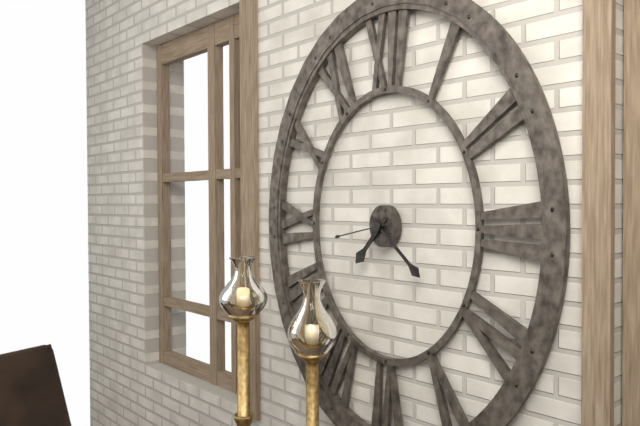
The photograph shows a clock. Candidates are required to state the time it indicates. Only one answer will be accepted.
7:22:43
